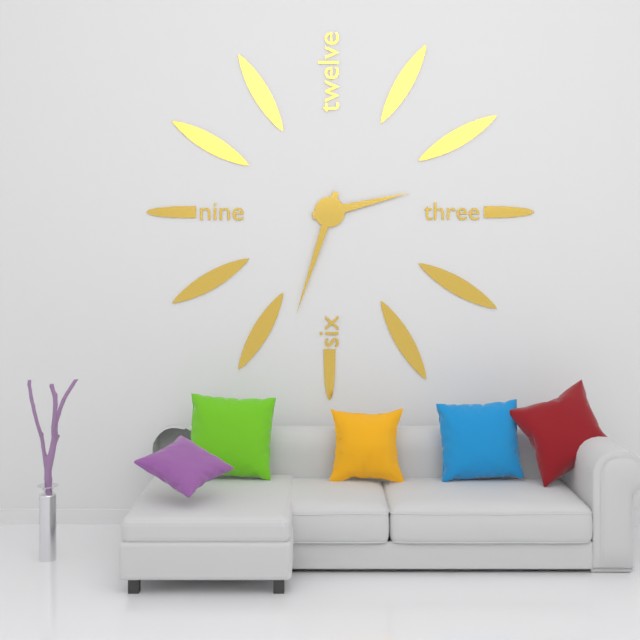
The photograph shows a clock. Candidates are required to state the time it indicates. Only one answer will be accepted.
2:33
